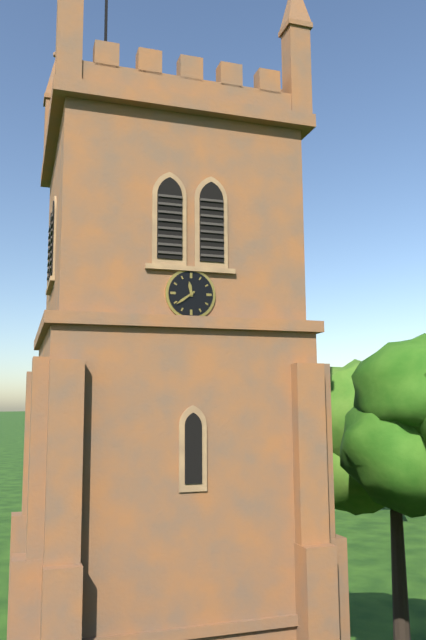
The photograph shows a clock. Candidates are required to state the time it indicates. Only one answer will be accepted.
11:39
